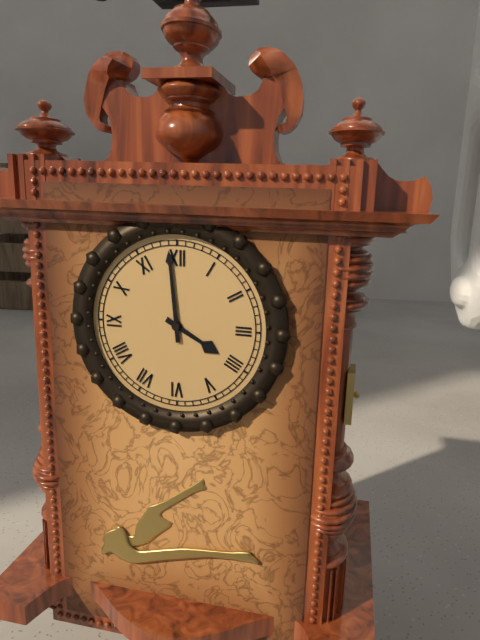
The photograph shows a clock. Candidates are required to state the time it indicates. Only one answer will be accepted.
3:59
